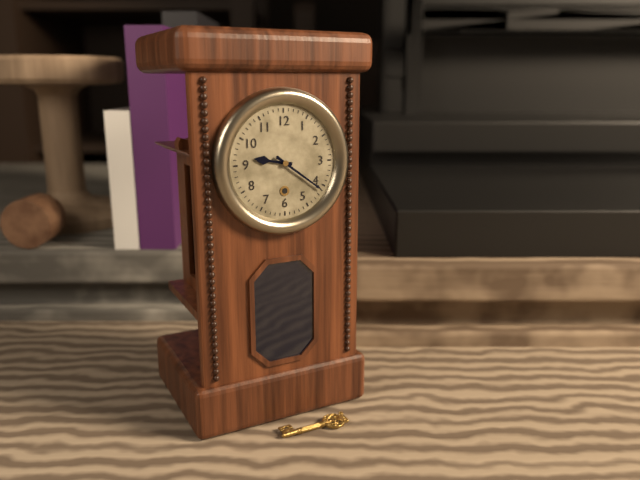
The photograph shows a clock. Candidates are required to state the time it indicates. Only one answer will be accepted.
9:21
